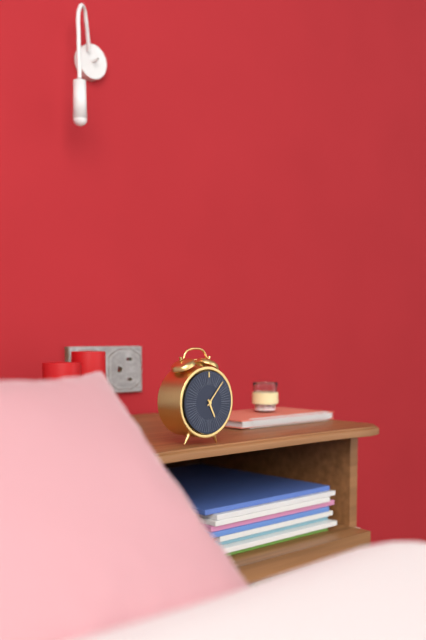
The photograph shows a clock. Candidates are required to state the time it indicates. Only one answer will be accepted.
5:07
